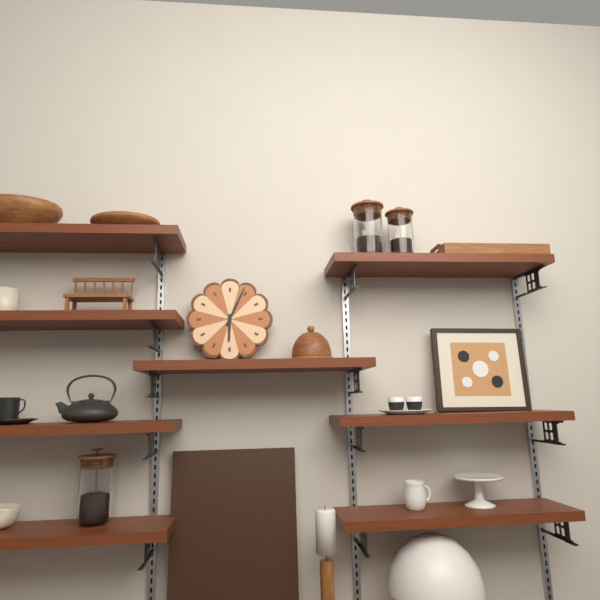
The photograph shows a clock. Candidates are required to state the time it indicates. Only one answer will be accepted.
6:04
